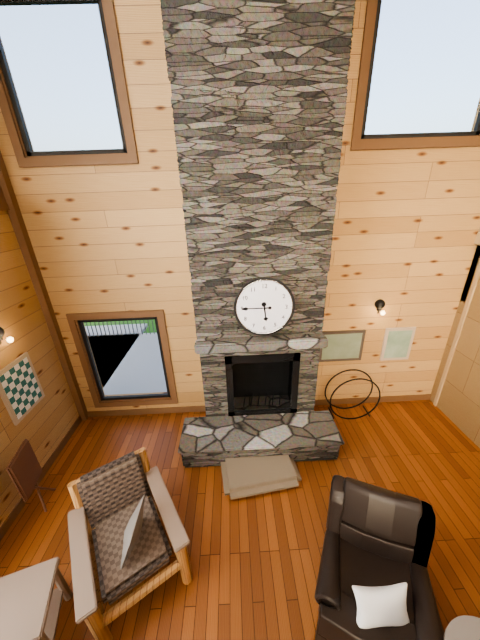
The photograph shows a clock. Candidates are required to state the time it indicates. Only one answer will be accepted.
5:45
